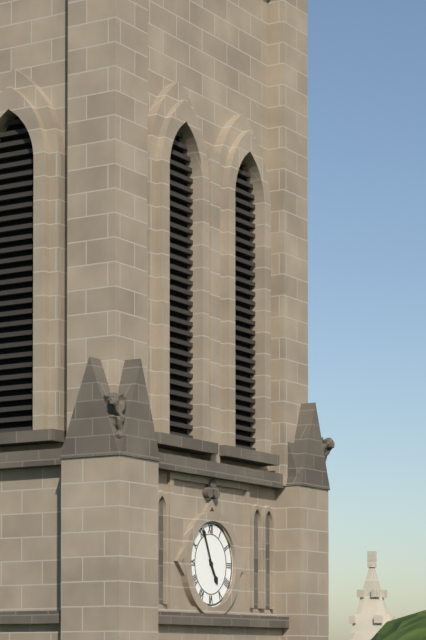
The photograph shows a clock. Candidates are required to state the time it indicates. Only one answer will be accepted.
4:56
